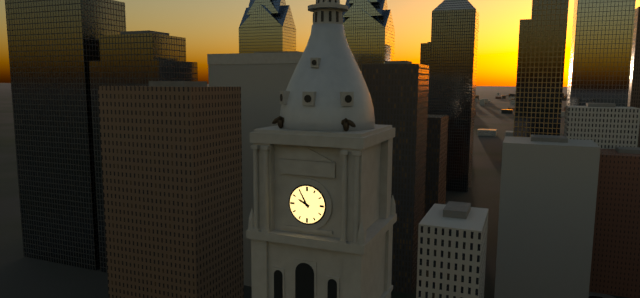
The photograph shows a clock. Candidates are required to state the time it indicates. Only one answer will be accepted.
9:55
